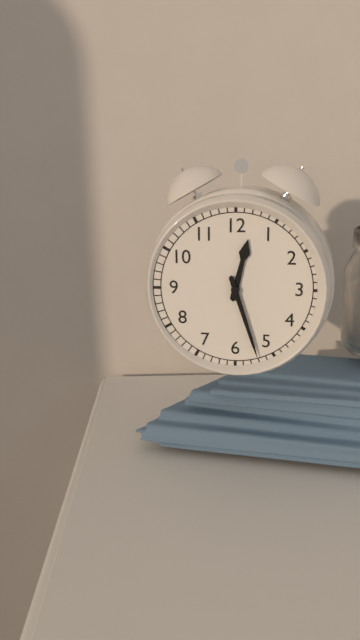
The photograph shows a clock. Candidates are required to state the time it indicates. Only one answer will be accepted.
12:27
